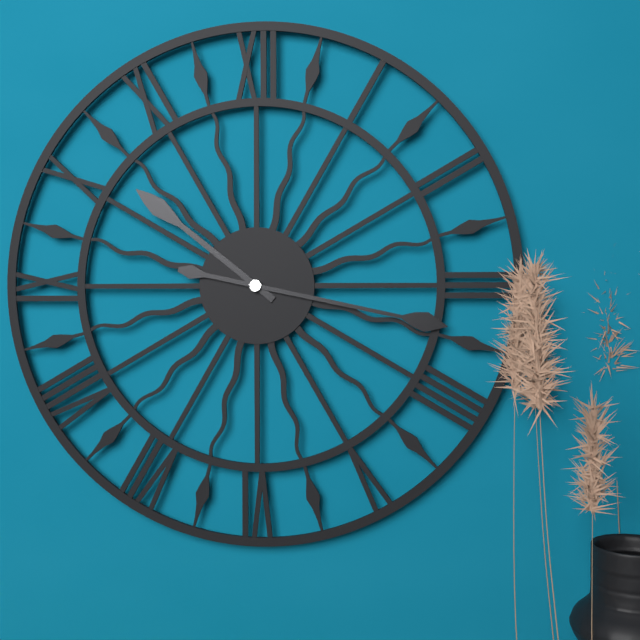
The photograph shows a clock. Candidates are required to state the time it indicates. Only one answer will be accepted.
10:17
